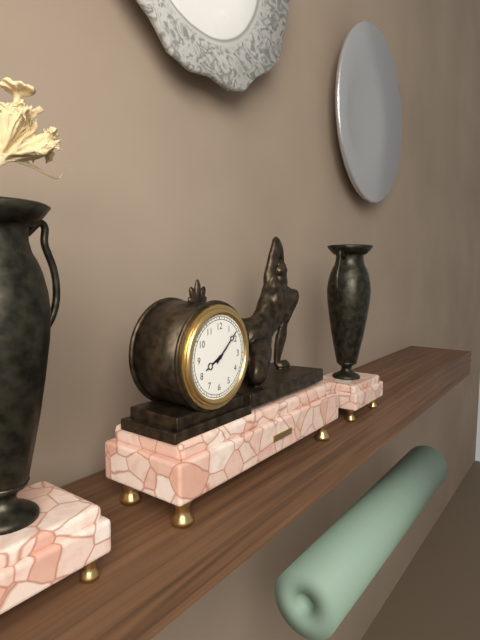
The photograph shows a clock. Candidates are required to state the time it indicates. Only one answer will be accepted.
8:08
